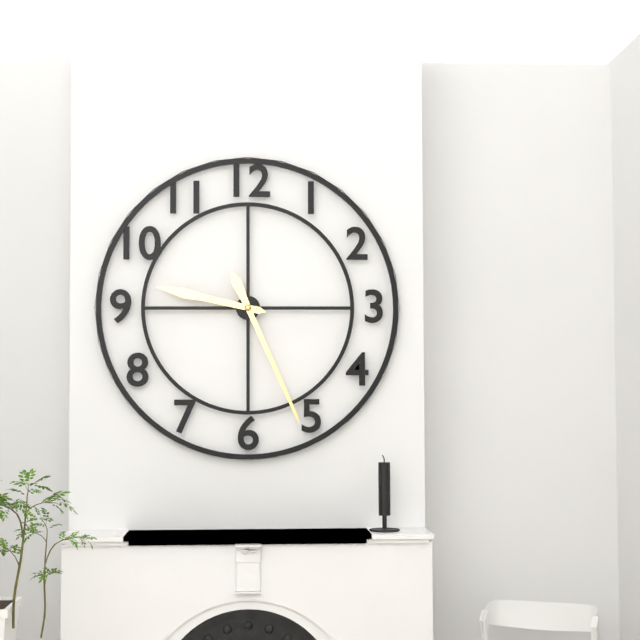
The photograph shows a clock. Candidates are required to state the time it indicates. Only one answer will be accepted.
9:26
